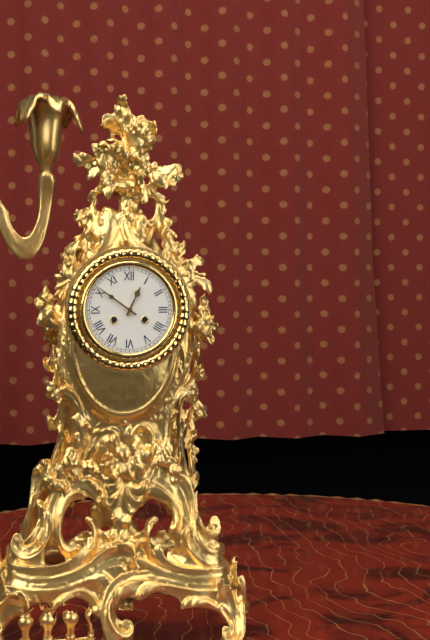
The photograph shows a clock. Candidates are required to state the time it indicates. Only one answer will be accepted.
12:51
